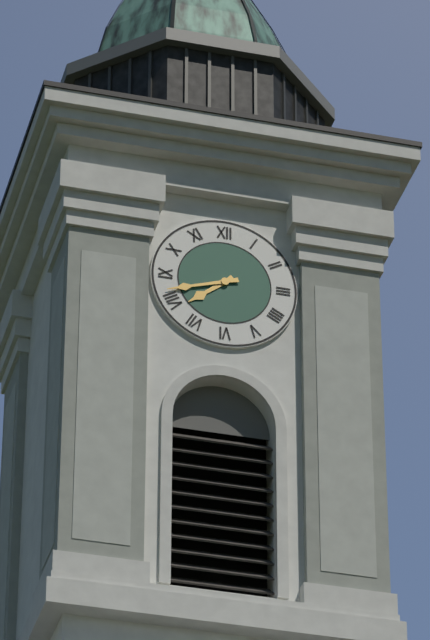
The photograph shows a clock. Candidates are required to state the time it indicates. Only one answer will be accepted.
7:42
